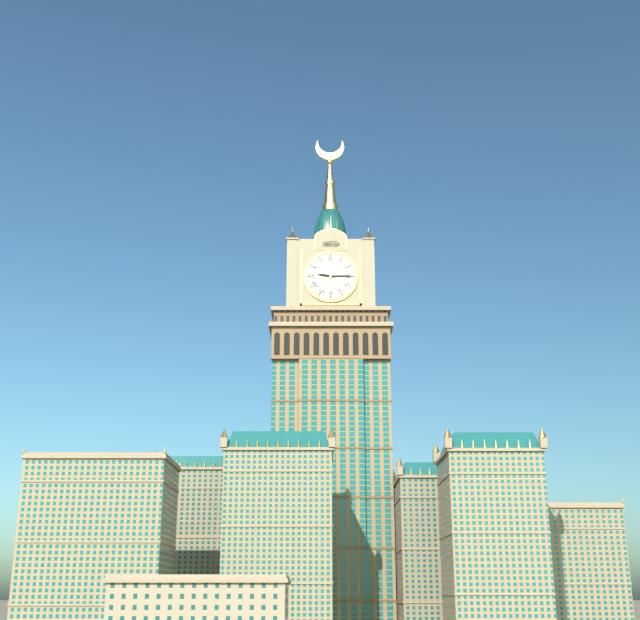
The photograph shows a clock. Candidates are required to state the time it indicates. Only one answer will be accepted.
9:15
